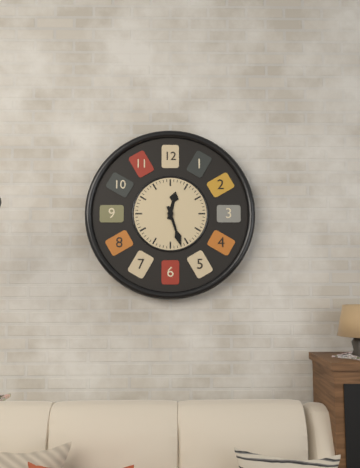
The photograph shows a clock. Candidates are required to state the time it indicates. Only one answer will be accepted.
12:27
